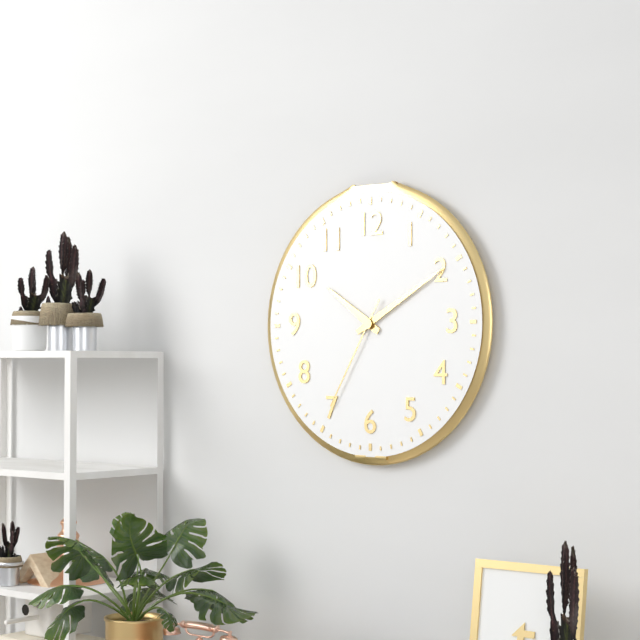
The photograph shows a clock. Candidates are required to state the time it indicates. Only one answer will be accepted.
10:10:35
